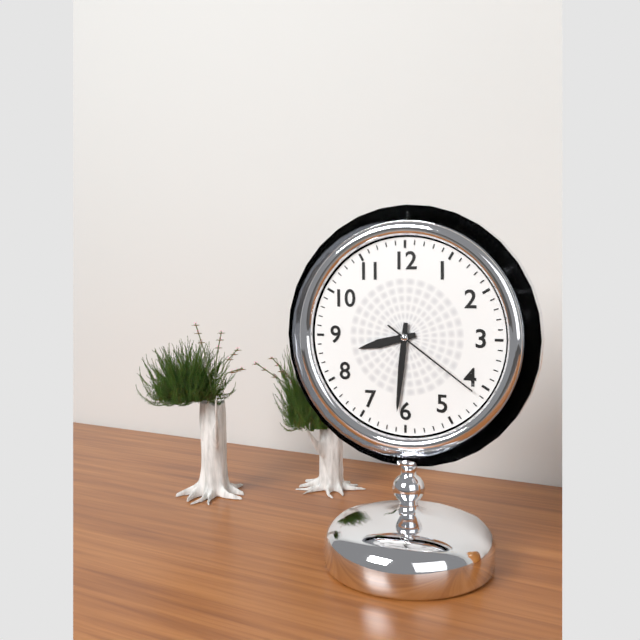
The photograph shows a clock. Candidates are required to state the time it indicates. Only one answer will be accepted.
8:31:21
